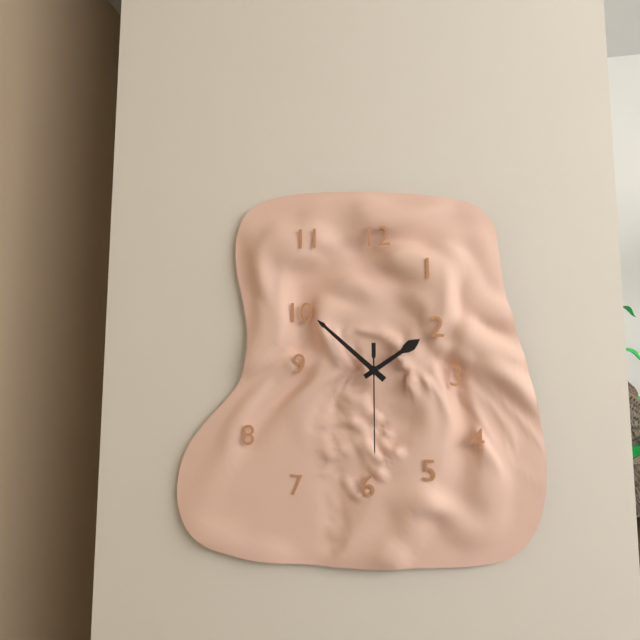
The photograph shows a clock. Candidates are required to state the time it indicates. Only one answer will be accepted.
1:52:30
